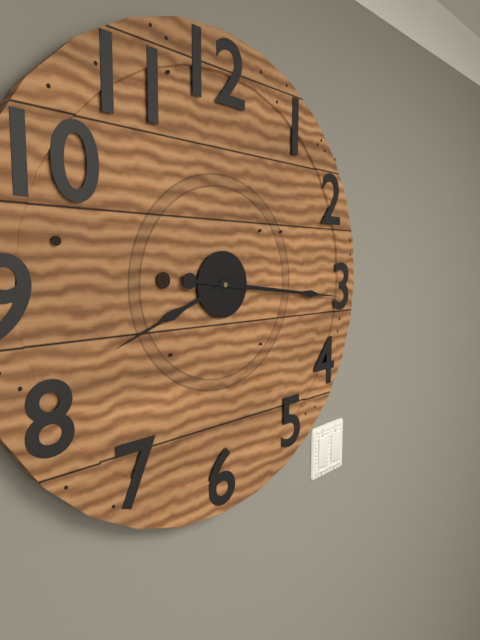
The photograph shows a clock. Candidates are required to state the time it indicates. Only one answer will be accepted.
8:16
